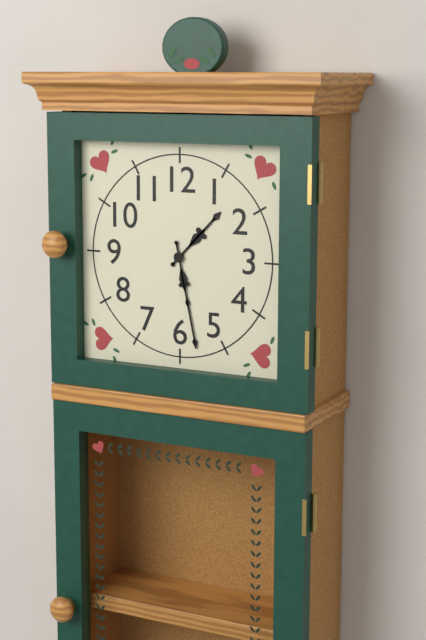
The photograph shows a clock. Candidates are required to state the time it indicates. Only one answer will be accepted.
1:28
